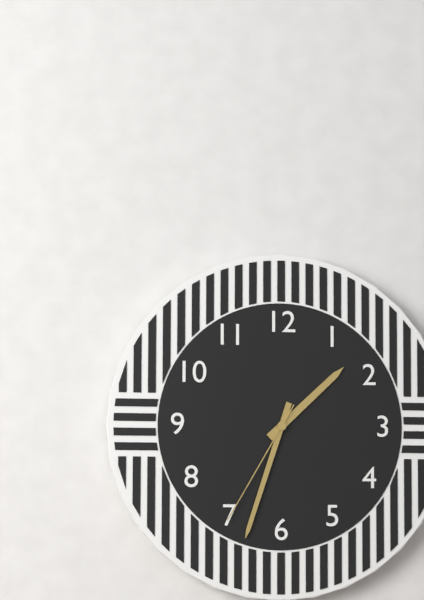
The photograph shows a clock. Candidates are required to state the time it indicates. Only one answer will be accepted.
1:33:35
